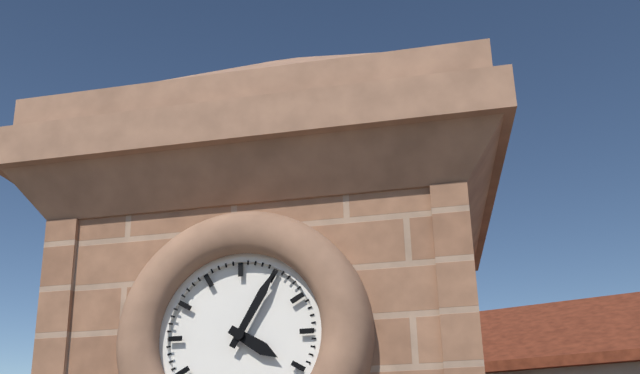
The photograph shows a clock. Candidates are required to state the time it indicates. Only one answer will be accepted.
4:05
